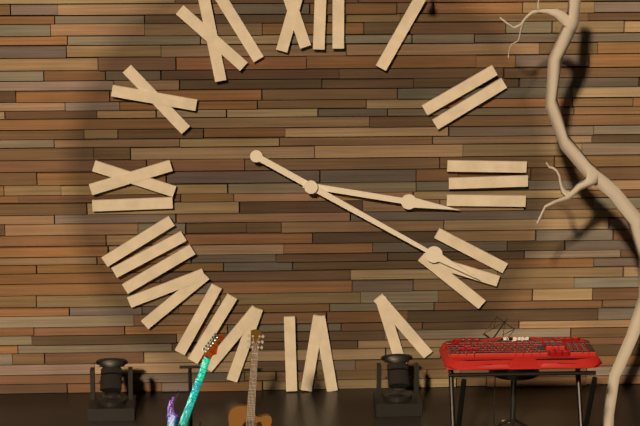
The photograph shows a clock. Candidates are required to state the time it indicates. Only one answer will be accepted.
3:20
